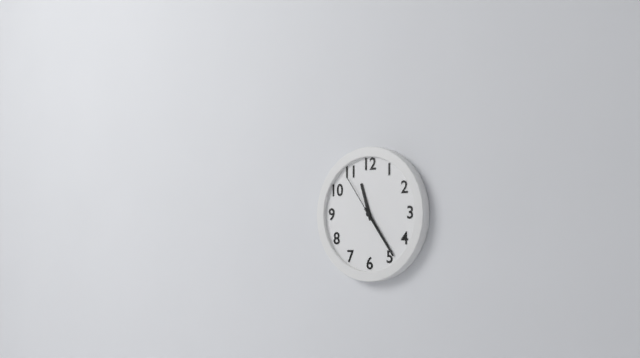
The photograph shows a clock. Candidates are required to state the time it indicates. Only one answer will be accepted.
11:24:54
